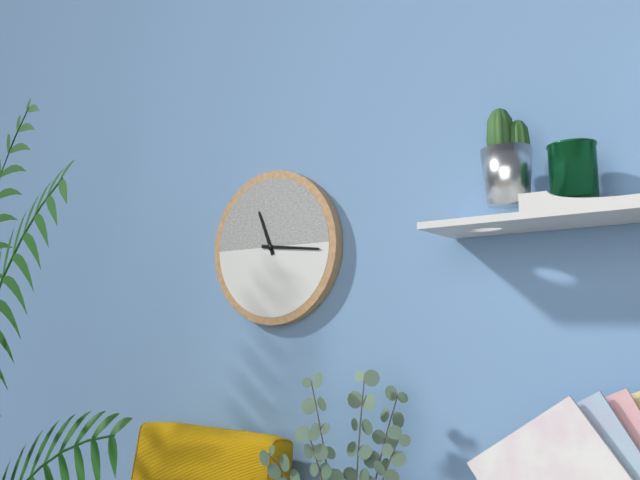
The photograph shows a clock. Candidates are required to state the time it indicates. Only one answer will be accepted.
11:16
